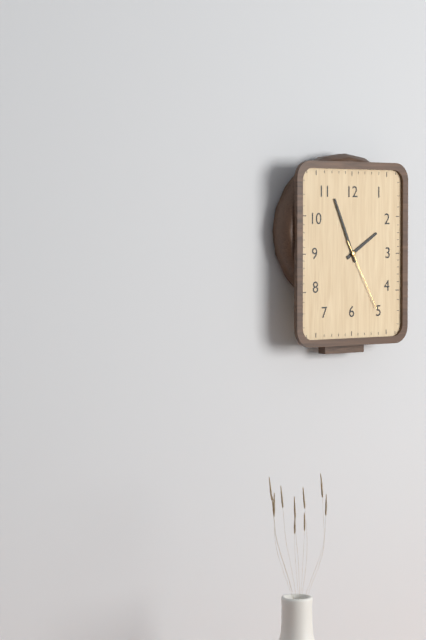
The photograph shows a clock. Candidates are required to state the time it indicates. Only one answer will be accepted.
1:56:25
